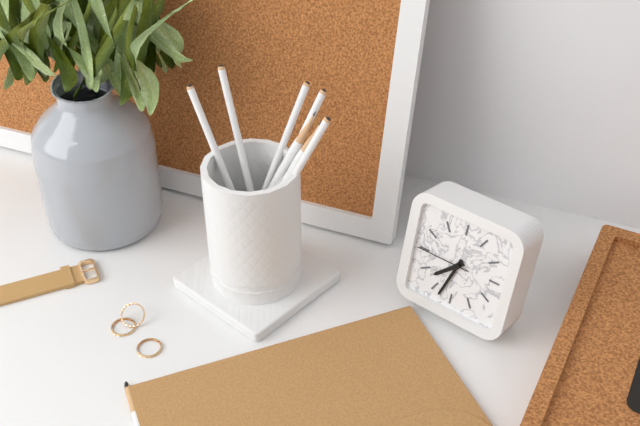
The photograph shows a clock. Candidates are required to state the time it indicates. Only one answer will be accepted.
7:33:45
